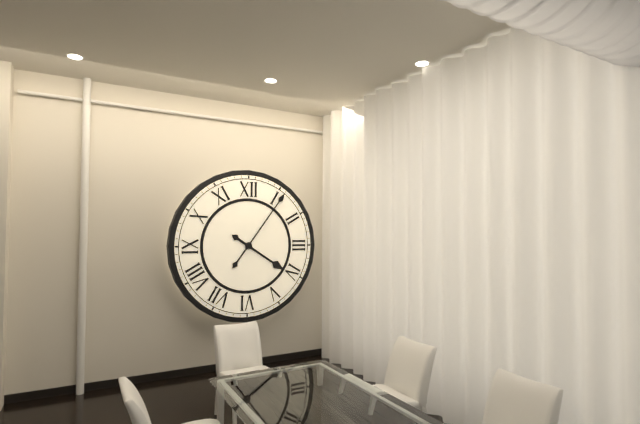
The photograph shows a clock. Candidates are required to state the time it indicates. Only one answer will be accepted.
4:06
